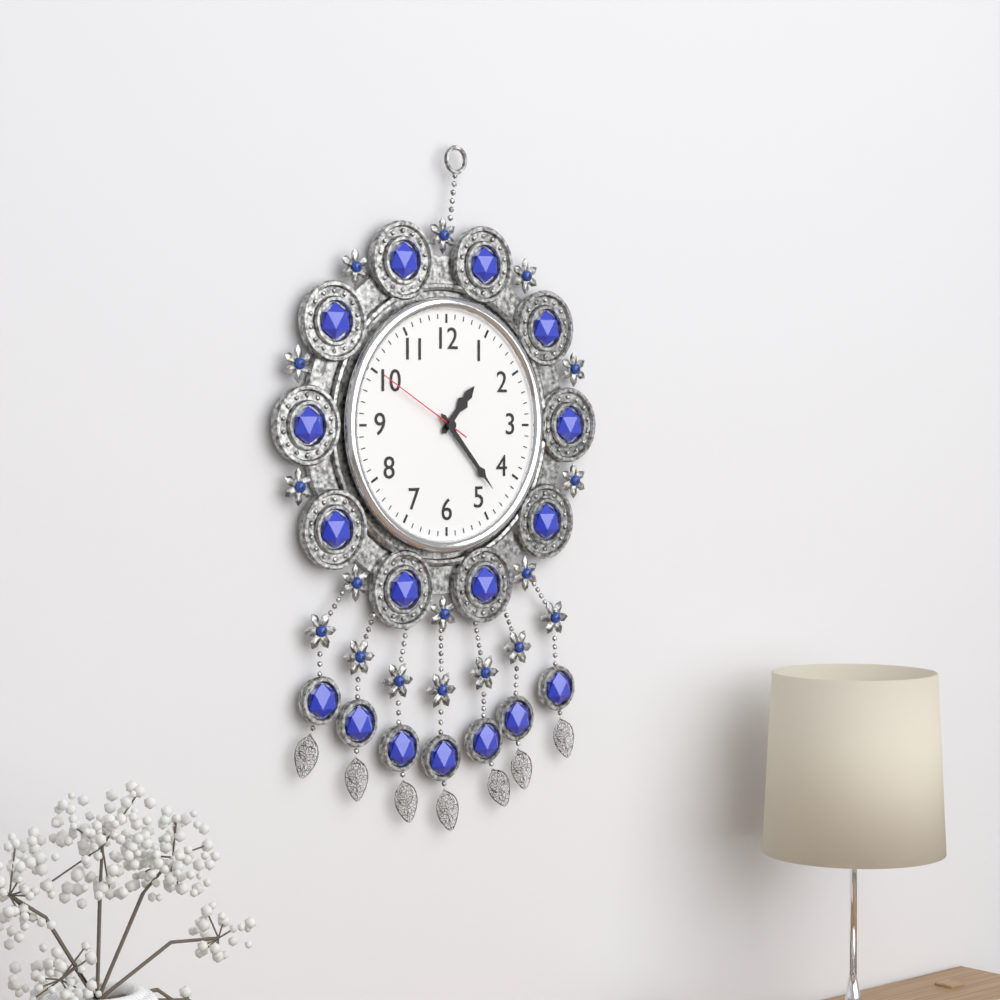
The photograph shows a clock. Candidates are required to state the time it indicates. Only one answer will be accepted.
1:23:50
